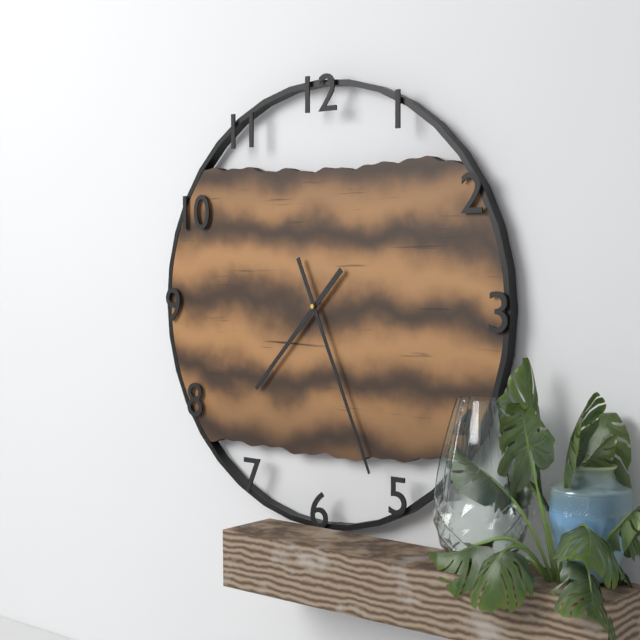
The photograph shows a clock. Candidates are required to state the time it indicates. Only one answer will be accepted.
7:26
